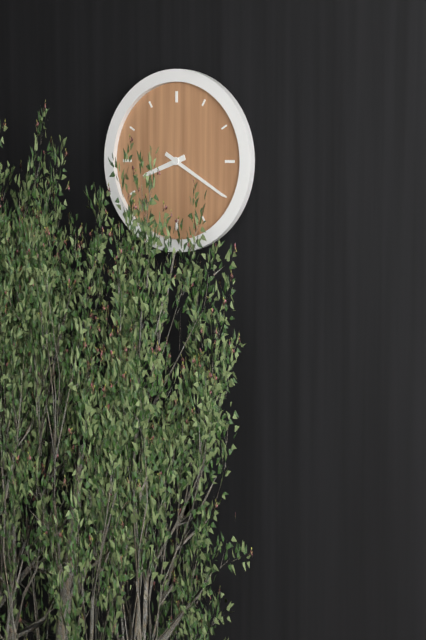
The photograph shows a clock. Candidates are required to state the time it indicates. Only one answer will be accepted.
8:20
